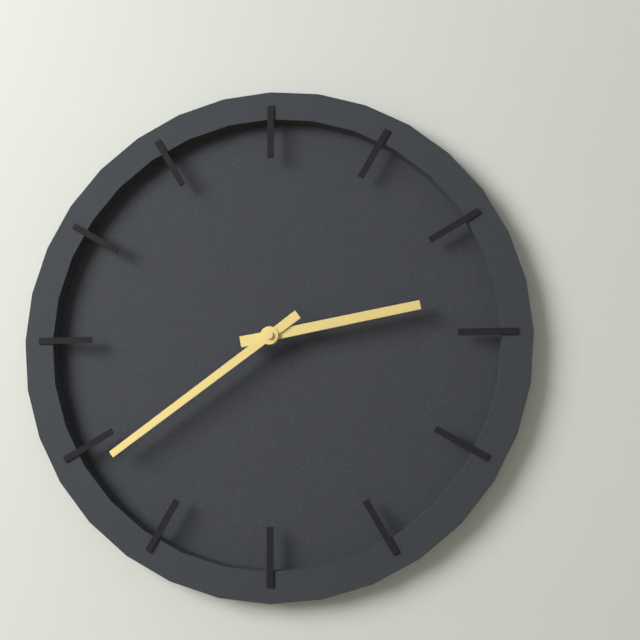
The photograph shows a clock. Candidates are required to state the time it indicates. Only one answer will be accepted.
2:39
